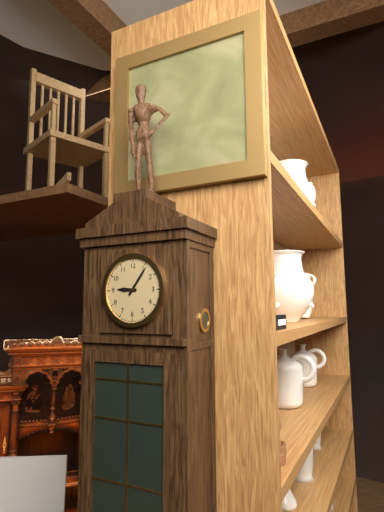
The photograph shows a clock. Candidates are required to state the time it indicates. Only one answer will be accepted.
9:06
